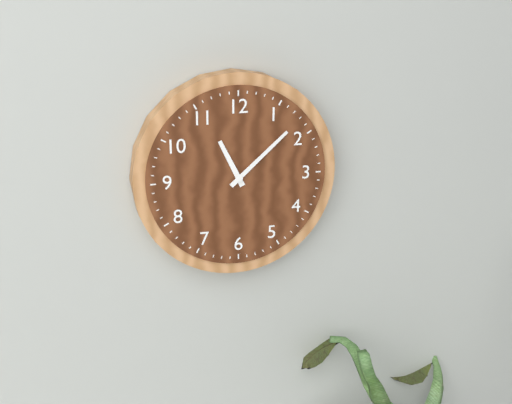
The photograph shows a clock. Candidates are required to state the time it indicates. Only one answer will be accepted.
11:08
